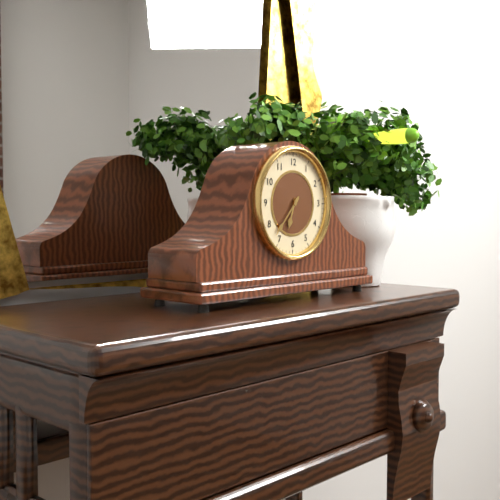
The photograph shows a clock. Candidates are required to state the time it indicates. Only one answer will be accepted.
6:37
